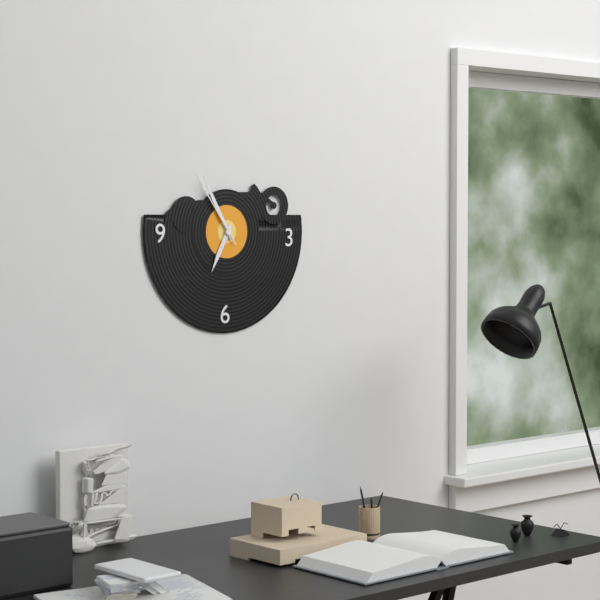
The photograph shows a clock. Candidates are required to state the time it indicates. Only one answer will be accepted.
6:55:54
